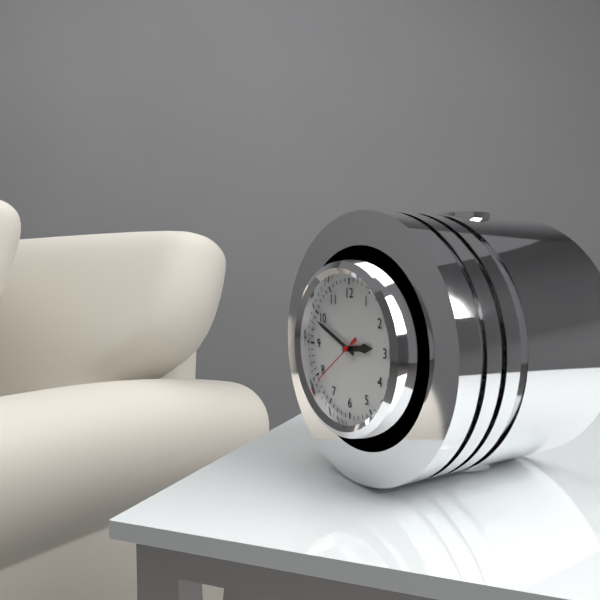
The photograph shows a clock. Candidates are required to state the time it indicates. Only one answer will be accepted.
2:49:39
